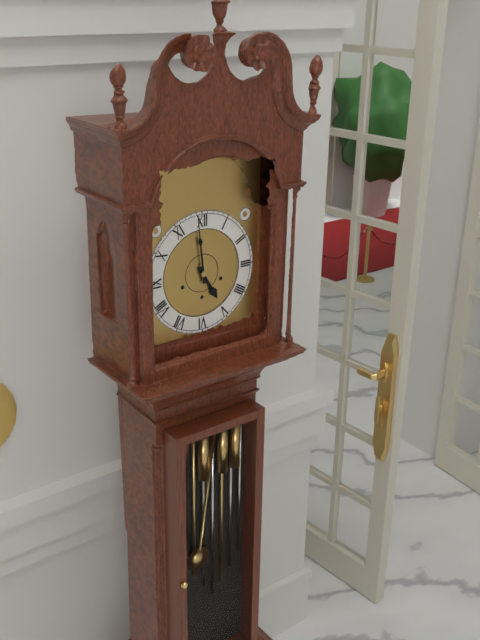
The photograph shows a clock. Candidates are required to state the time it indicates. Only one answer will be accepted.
4:59
